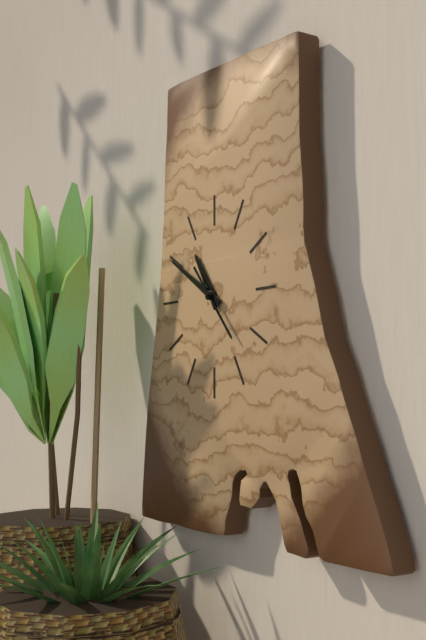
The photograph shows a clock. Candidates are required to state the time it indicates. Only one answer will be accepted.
10:50:23
